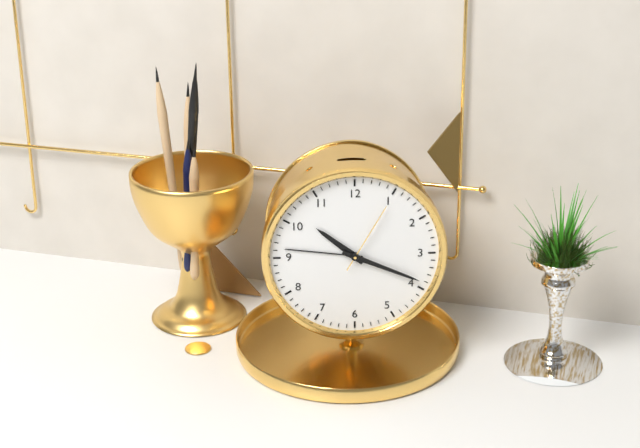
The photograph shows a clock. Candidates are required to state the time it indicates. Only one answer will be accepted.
10:19:05
